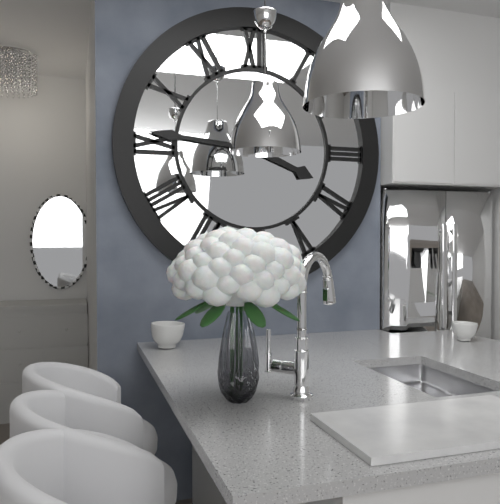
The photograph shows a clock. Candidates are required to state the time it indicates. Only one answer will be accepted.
3:46
